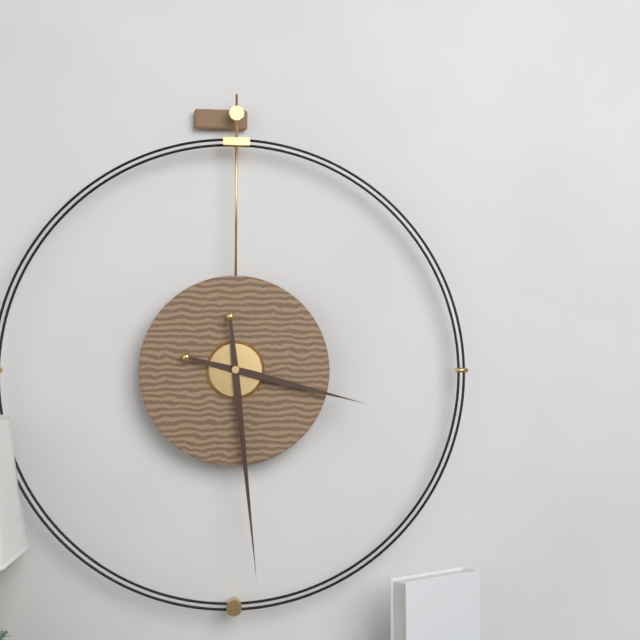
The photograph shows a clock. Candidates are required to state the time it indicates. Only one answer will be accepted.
3:29
